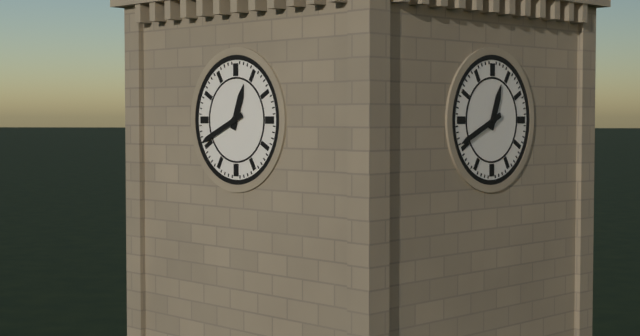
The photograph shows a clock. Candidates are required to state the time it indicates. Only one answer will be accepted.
12:41
